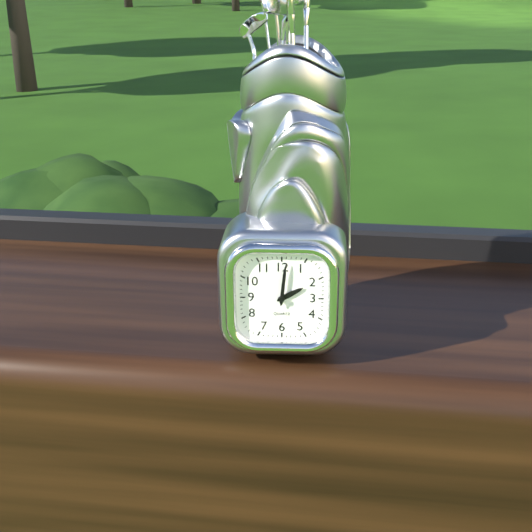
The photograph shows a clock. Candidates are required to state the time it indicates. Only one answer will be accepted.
2:01
